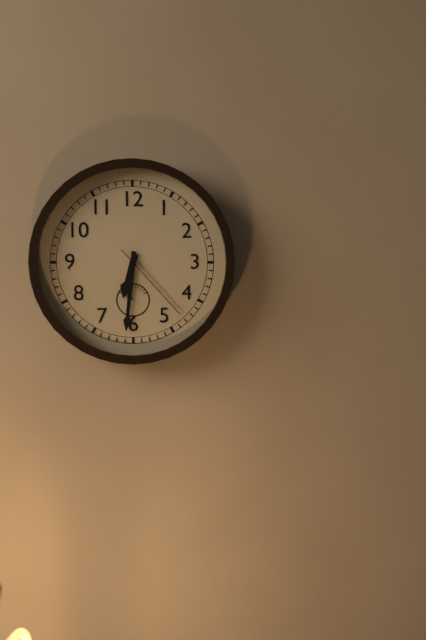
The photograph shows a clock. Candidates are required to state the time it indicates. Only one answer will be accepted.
6:31:23
